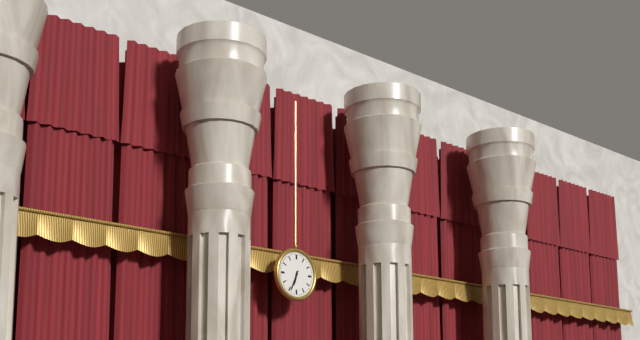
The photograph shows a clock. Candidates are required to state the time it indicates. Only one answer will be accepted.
6:34
